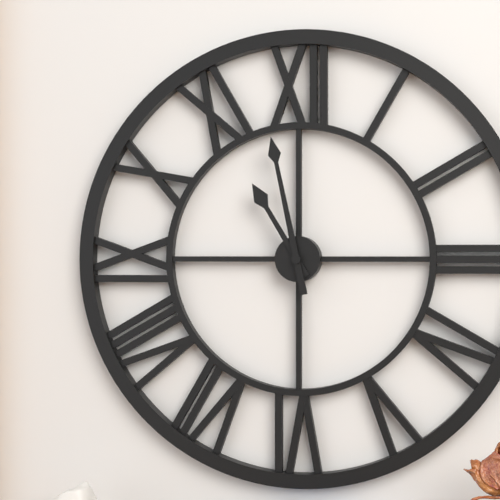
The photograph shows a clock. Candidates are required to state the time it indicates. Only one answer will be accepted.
10:58
